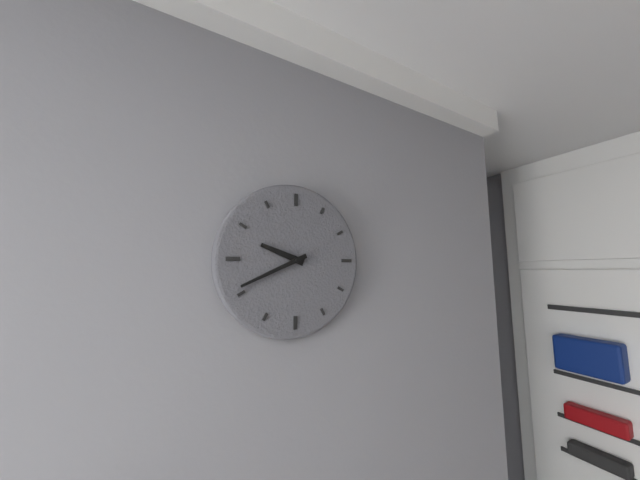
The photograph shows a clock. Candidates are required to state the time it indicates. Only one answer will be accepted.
9:41
